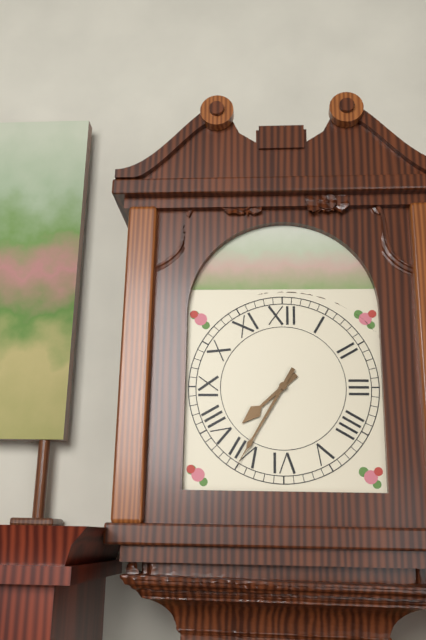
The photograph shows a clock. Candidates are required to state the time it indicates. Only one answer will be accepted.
7:35
